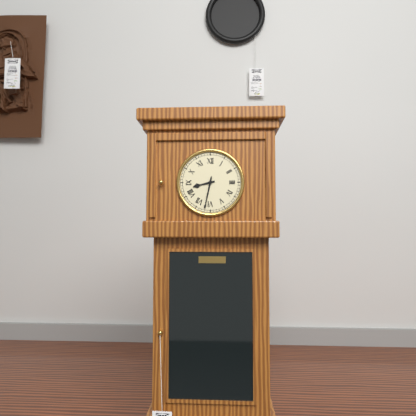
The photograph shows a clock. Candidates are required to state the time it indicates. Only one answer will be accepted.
8:32
